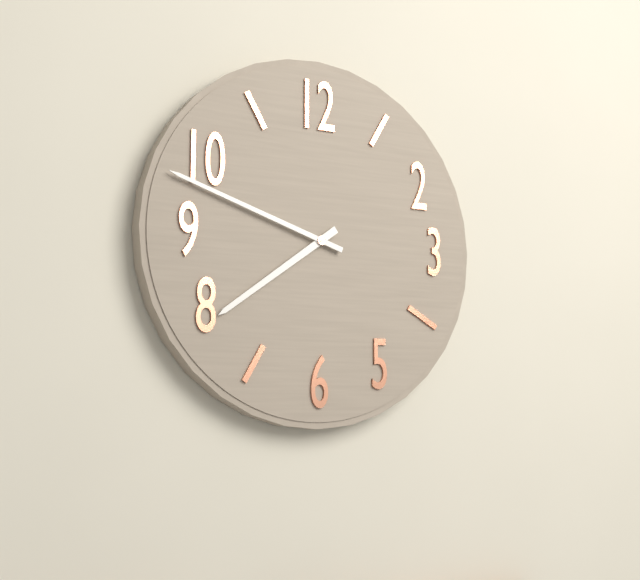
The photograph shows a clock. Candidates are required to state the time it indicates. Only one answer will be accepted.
7:48
